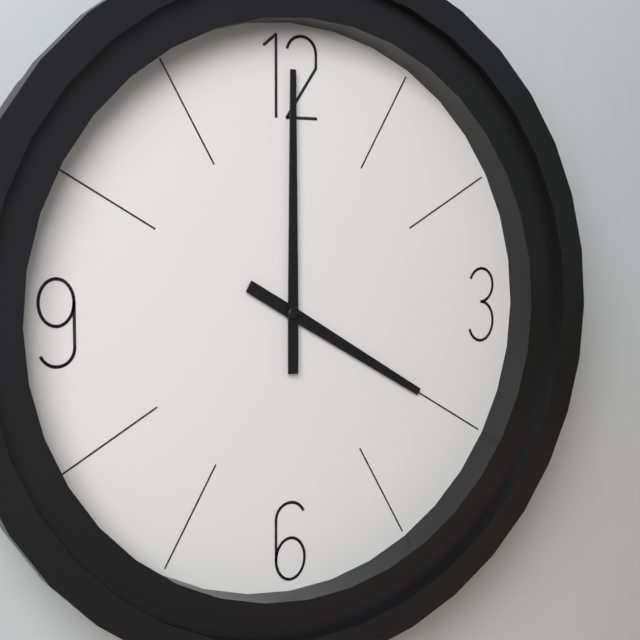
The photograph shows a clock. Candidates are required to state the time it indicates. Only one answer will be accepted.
4:00
